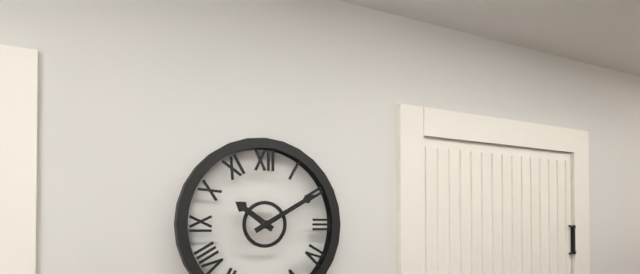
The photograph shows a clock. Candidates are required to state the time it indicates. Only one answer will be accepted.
10:10
